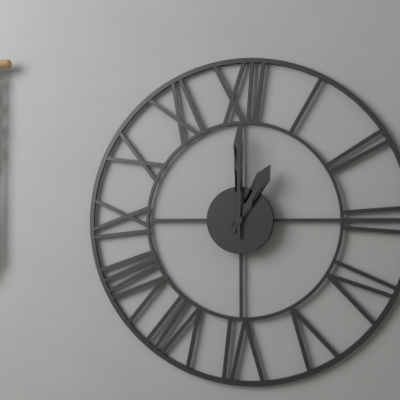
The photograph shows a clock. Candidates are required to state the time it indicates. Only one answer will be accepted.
1:00
